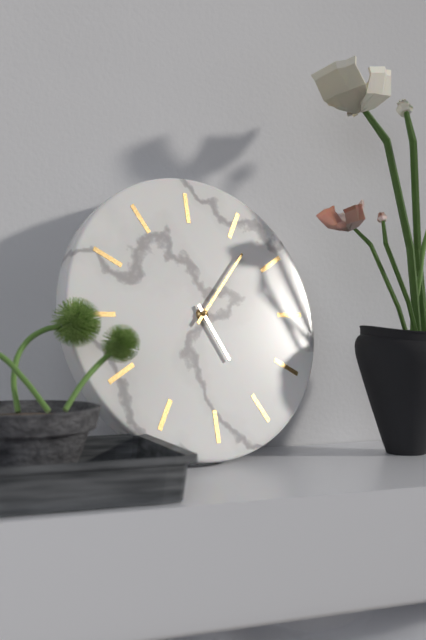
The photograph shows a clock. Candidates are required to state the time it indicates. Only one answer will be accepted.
5:07
